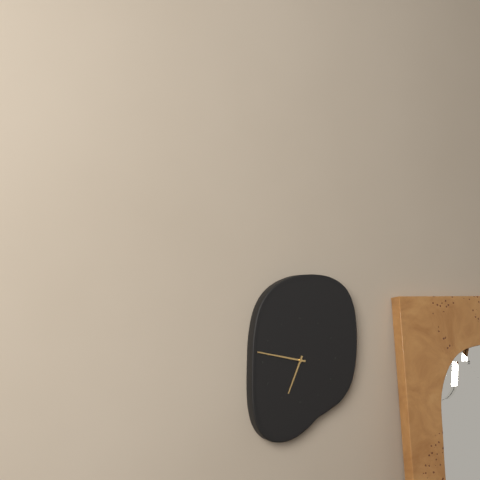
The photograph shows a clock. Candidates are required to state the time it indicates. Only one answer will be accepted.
6:47
